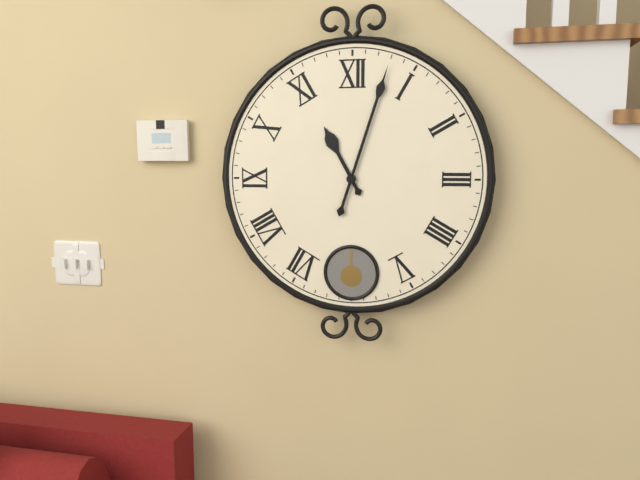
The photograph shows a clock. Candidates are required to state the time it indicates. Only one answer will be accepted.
11:03
